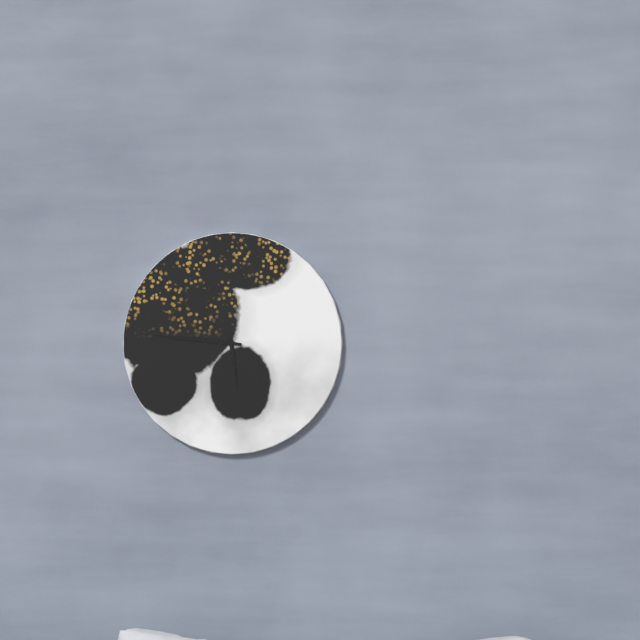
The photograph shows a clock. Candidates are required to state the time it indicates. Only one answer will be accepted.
5:46
